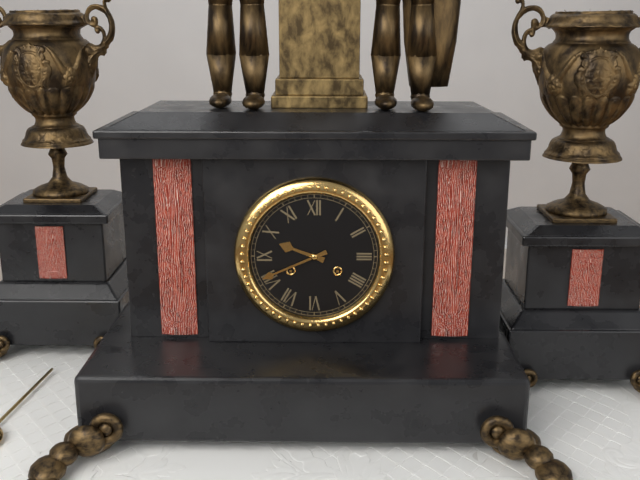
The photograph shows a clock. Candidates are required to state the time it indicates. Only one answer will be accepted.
9:41
